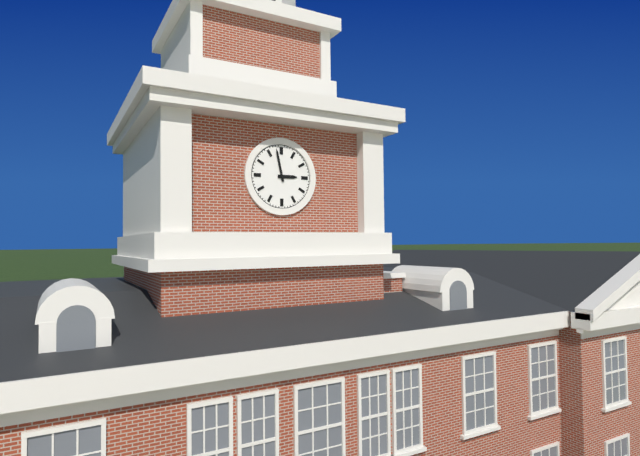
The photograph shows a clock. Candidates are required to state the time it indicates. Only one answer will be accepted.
2:58
